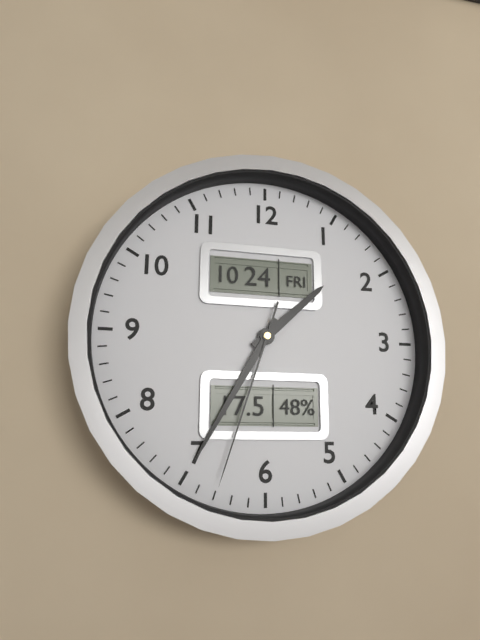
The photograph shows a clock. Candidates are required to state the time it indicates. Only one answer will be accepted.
1:35:33
